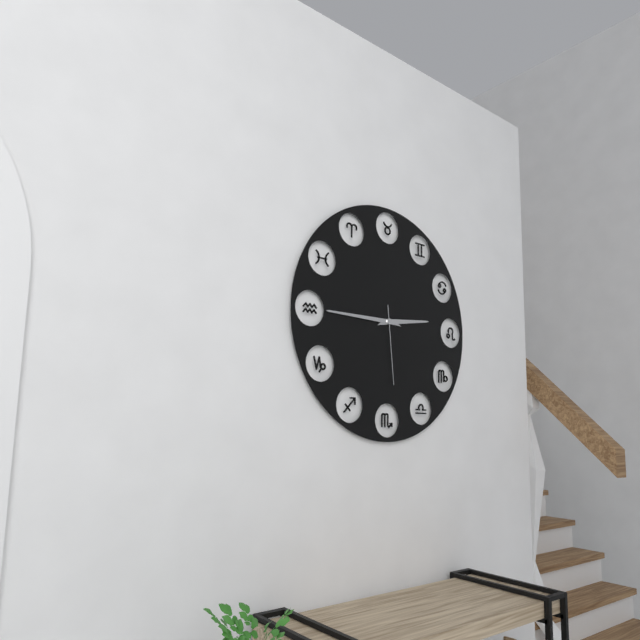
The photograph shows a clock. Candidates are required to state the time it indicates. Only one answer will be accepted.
2:45:29
